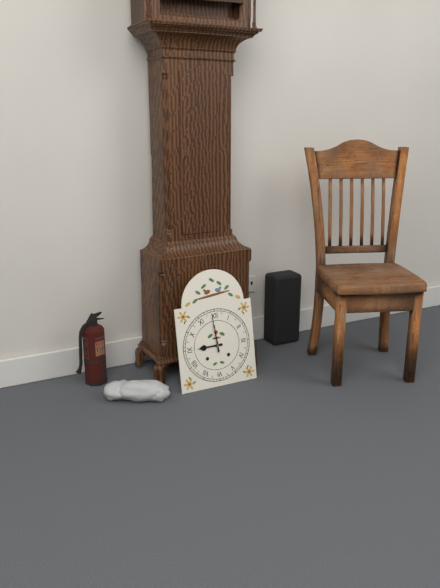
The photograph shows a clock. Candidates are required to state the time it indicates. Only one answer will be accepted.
8:59
